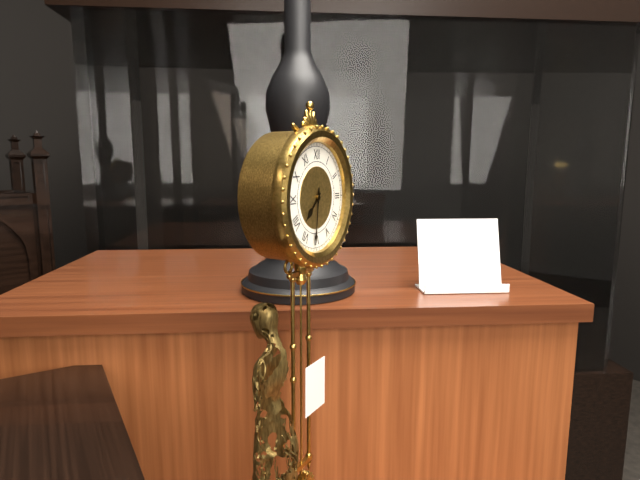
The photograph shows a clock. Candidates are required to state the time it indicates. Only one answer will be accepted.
7:31
